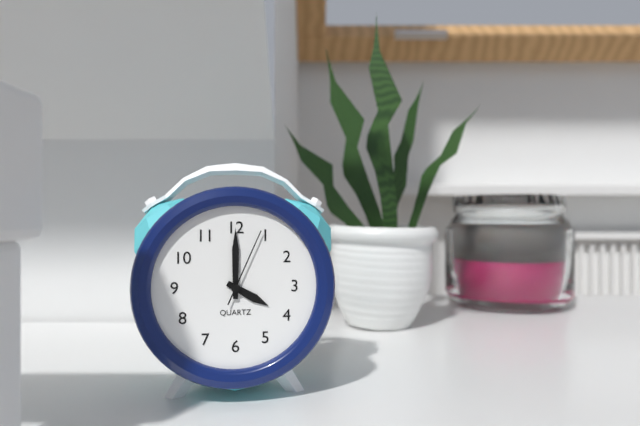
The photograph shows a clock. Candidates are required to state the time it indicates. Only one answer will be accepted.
4:00:04
